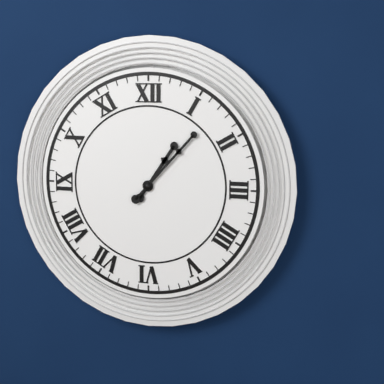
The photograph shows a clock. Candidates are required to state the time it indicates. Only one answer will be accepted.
1:07
